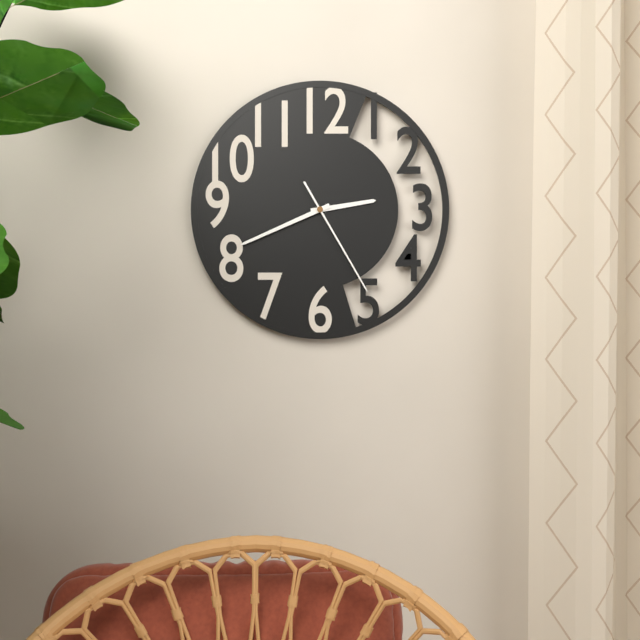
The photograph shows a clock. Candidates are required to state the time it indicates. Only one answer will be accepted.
2:41:25
